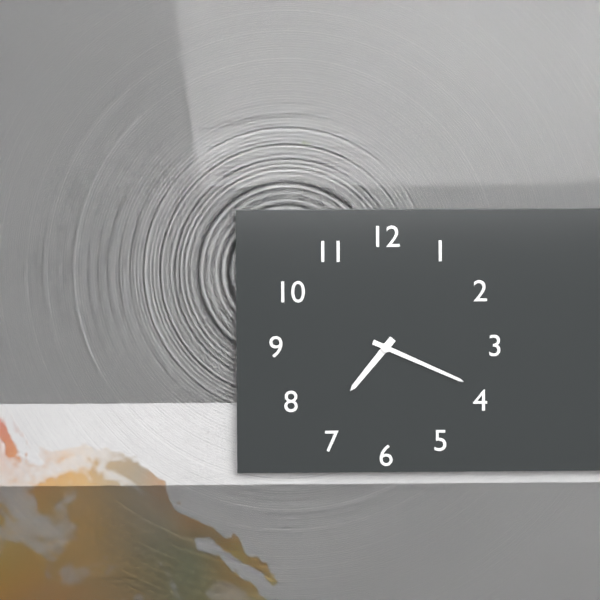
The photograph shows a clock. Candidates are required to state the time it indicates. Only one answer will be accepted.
7:19
